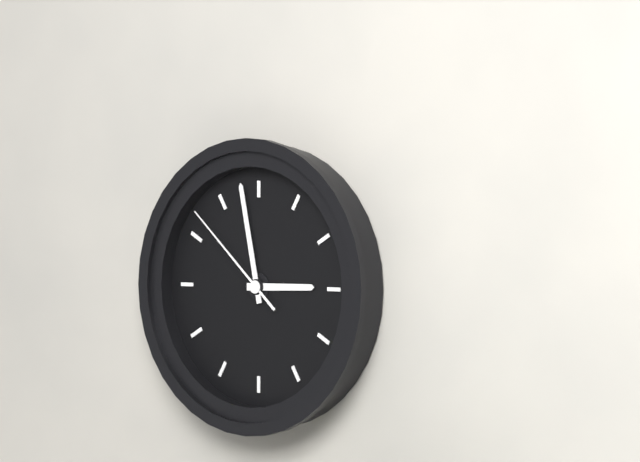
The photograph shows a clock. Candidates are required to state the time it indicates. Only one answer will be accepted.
2:58:52
